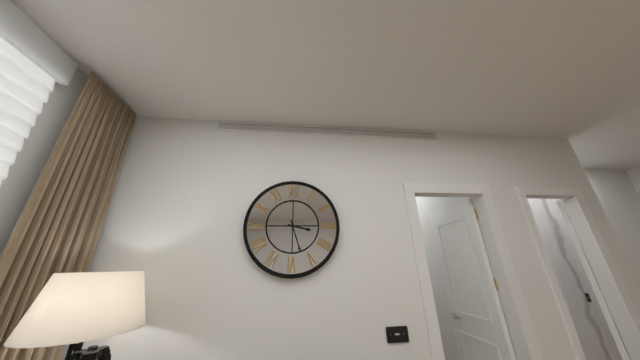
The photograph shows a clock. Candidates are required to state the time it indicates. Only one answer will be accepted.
3:27
